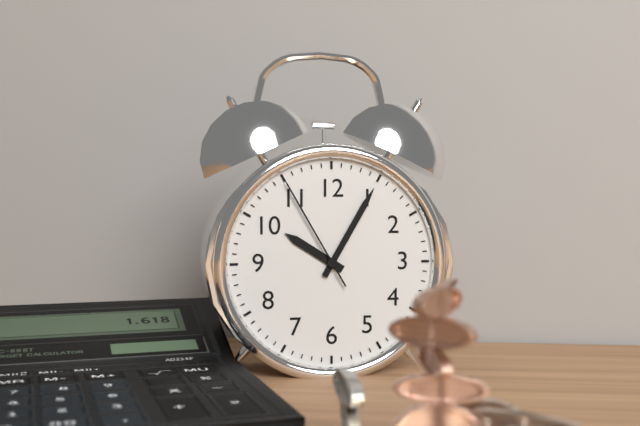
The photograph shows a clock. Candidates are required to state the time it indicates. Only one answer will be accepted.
10:05:55
